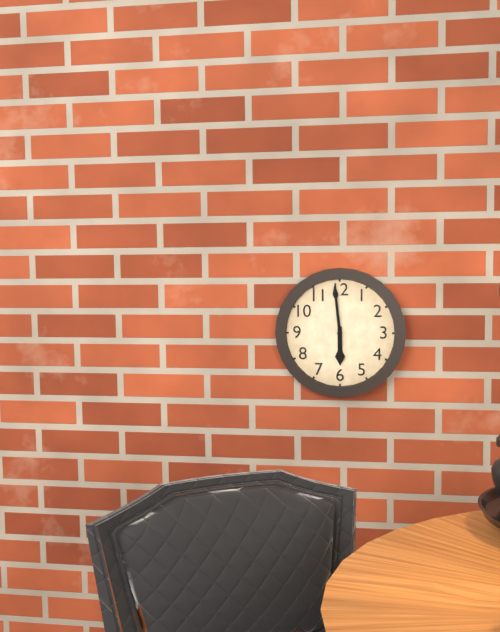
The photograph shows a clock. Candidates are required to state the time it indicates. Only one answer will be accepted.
5:59
